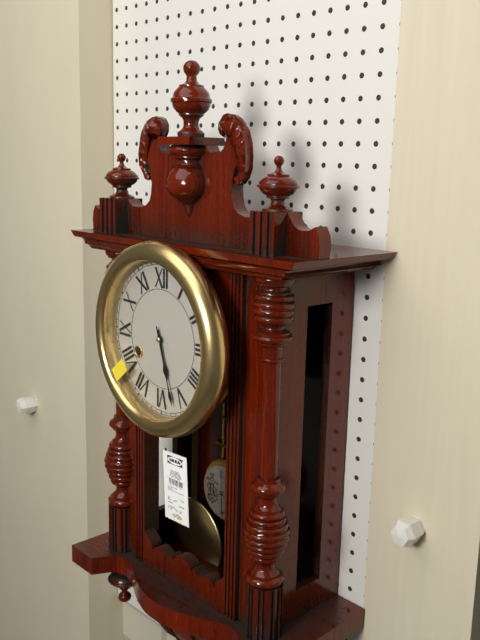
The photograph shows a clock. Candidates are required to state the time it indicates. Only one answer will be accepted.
5:27
